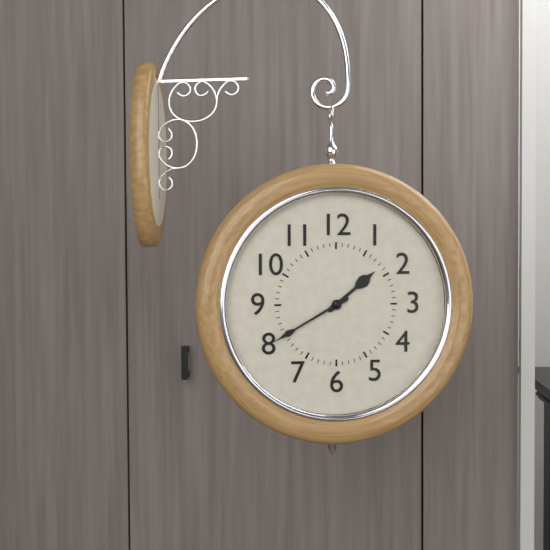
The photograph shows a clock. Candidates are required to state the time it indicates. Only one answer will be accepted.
1:40
